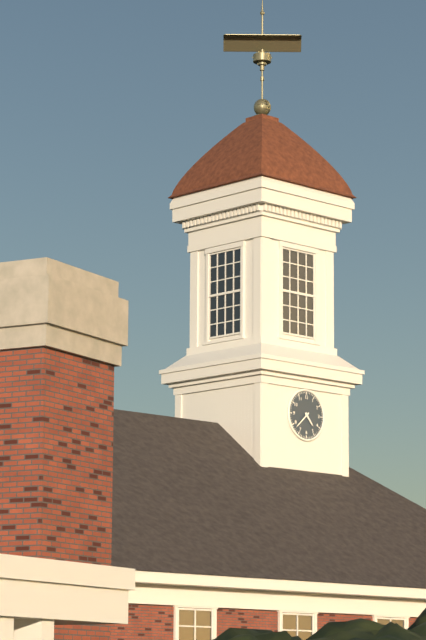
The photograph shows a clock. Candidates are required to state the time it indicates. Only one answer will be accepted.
4:38
